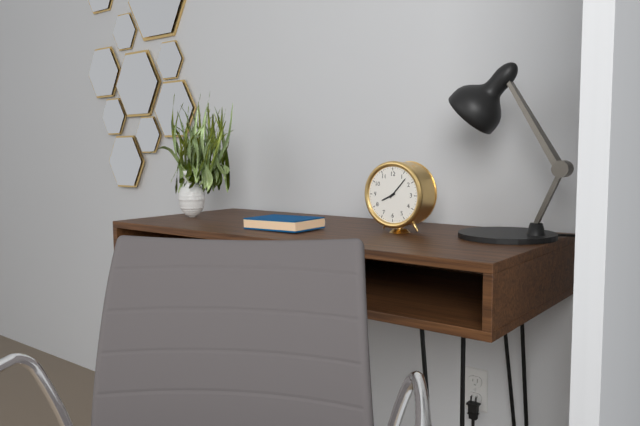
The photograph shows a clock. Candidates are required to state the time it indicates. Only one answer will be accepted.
8:07
